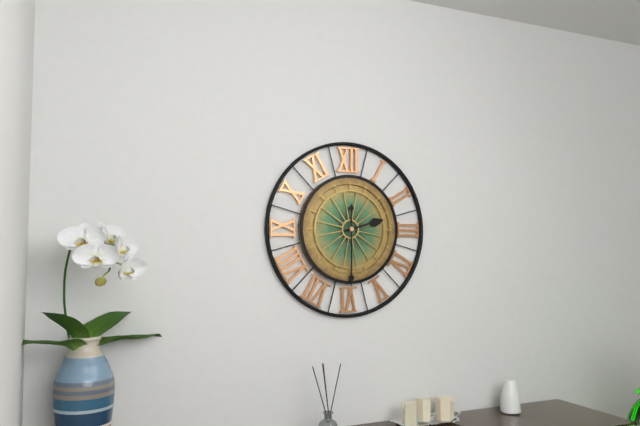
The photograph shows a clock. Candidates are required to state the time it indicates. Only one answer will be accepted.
2:30
